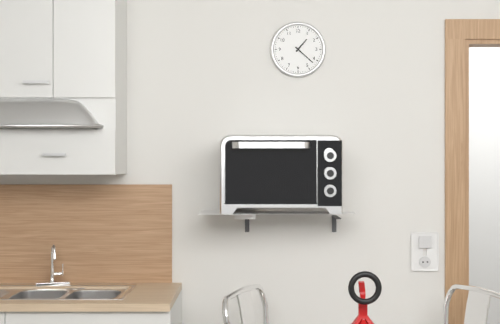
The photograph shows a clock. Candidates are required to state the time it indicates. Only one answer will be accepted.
1:22
